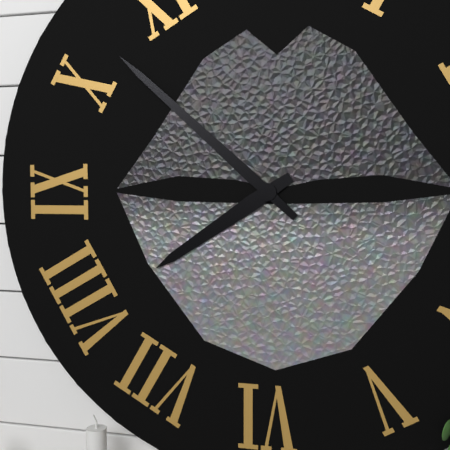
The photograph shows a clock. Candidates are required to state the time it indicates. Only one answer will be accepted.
7:52
